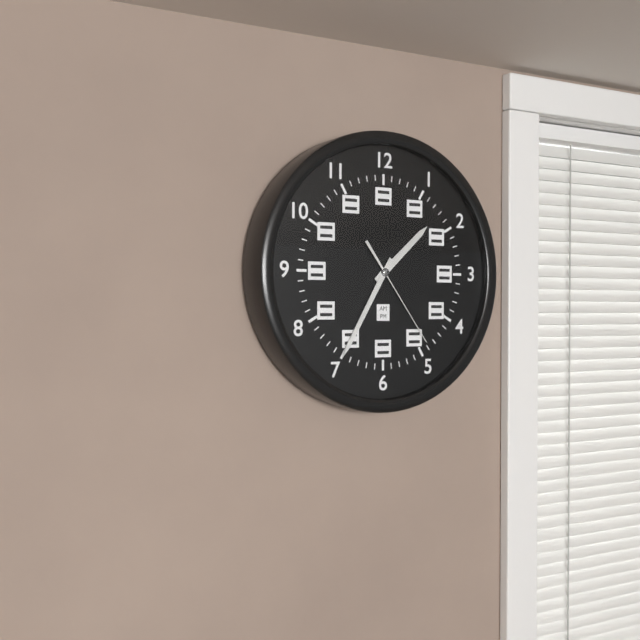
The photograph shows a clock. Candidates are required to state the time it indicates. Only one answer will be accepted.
1:35:24
